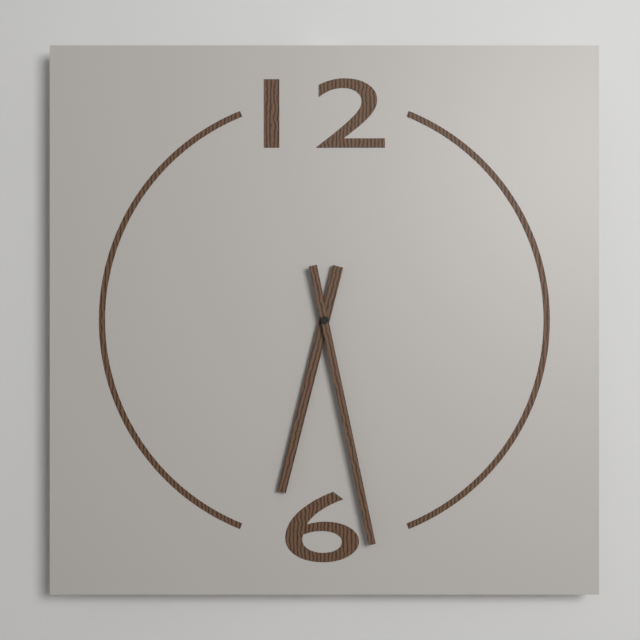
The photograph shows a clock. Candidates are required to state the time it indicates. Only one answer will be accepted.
6:28
